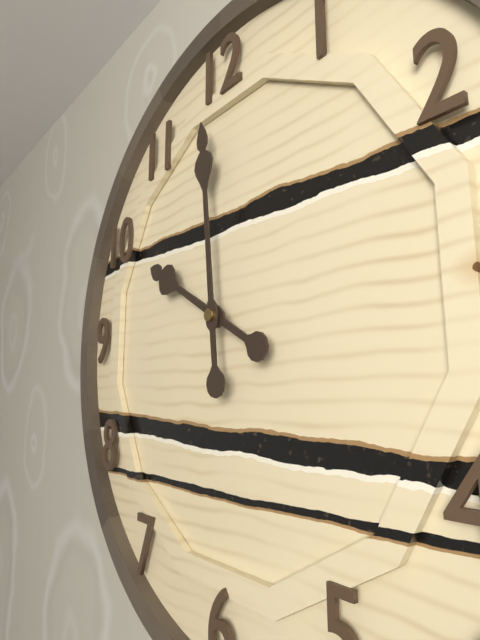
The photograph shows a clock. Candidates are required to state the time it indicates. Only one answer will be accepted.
9:59
